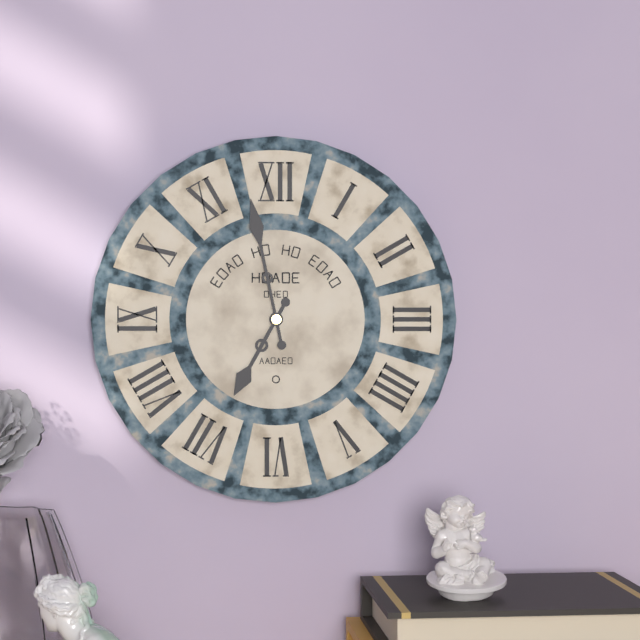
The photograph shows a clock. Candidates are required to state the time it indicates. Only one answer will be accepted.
6:58
